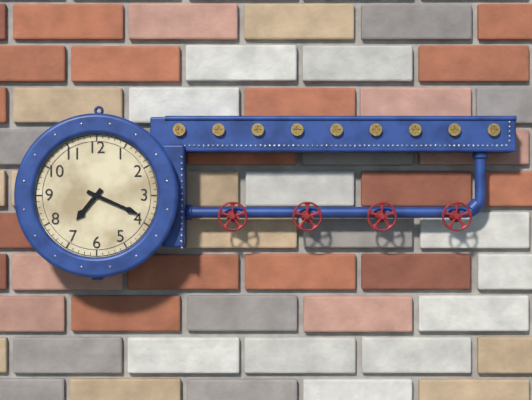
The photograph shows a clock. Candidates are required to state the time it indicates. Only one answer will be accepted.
7:19
